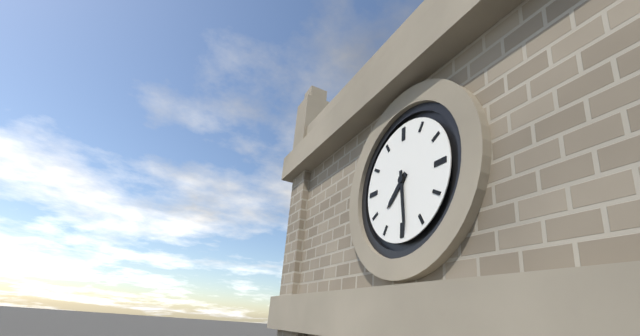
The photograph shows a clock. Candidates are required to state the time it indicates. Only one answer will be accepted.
7:29
